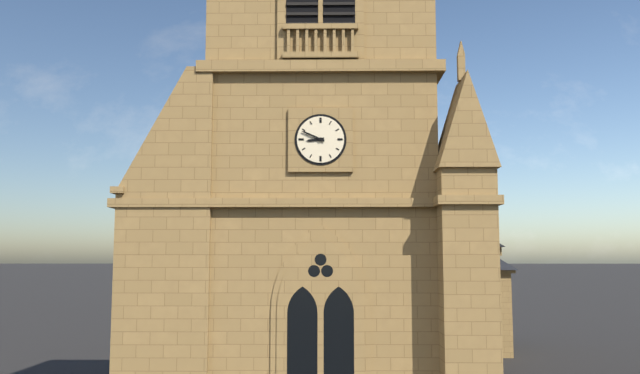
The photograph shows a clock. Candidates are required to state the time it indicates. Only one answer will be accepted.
8:49
